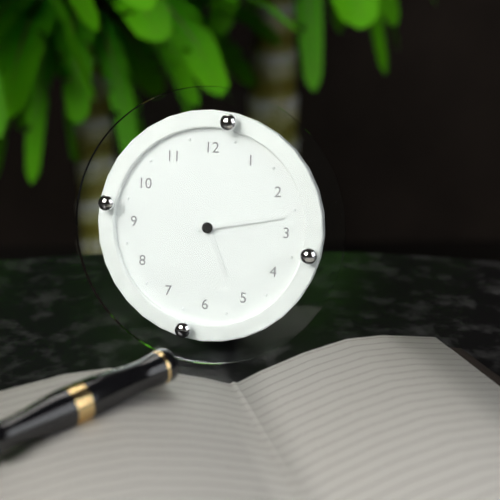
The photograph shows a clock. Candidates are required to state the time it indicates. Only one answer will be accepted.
5:13
